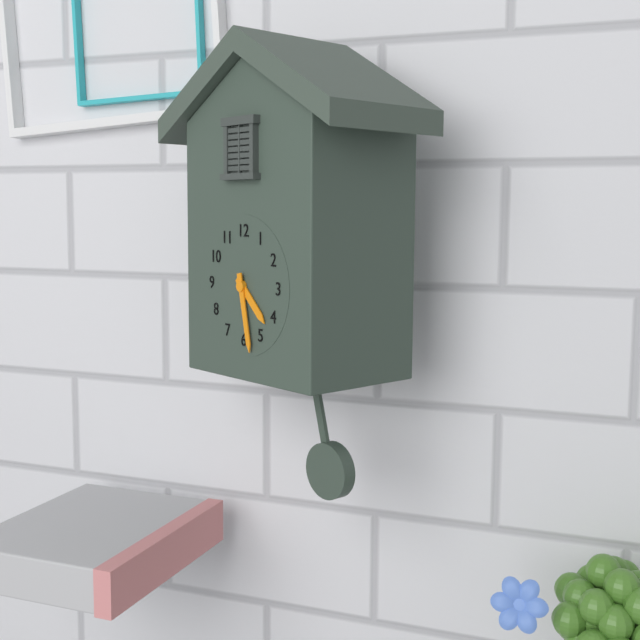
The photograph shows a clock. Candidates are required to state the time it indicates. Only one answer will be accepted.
4:28
